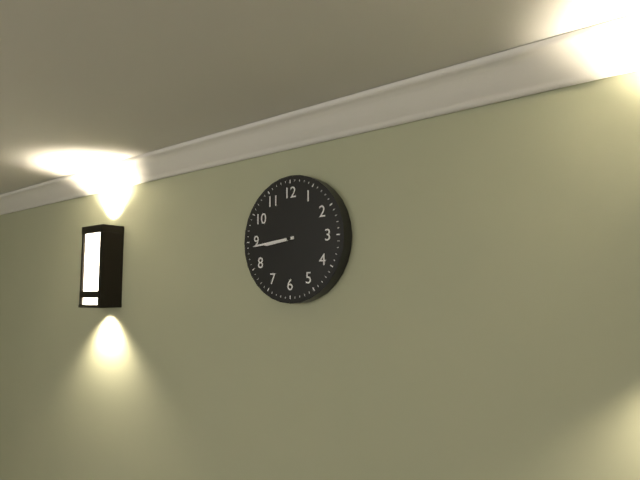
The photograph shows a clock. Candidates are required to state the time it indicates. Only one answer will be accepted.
8:44
